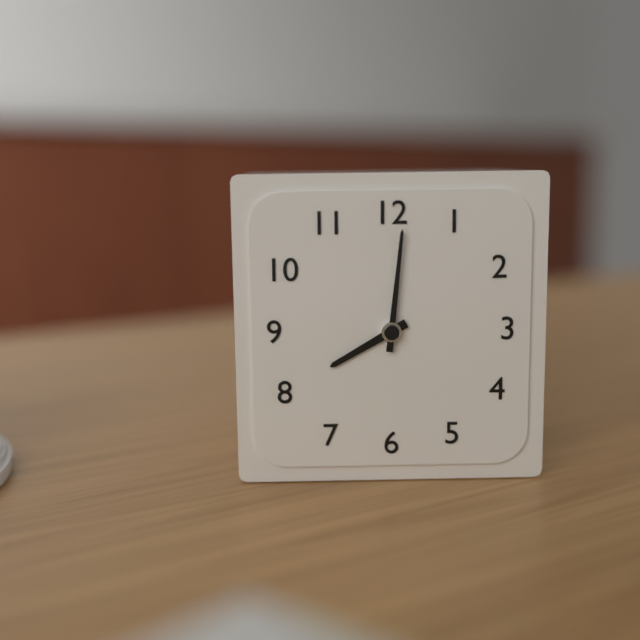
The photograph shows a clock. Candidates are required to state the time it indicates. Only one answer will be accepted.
8:01
